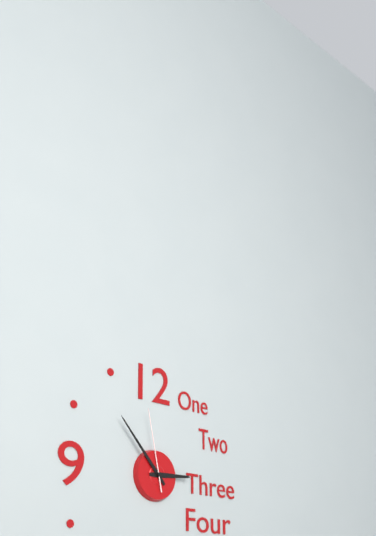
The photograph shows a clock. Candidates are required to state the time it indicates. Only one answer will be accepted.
2:53:58
